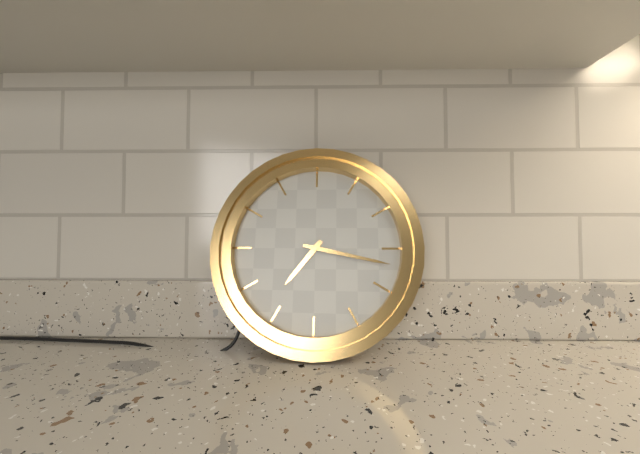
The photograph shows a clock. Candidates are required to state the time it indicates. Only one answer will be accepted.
7:17
